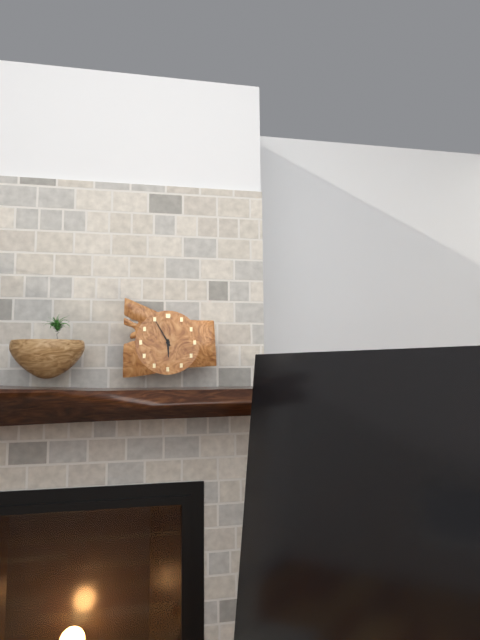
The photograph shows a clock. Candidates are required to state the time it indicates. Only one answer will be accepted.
5:55
